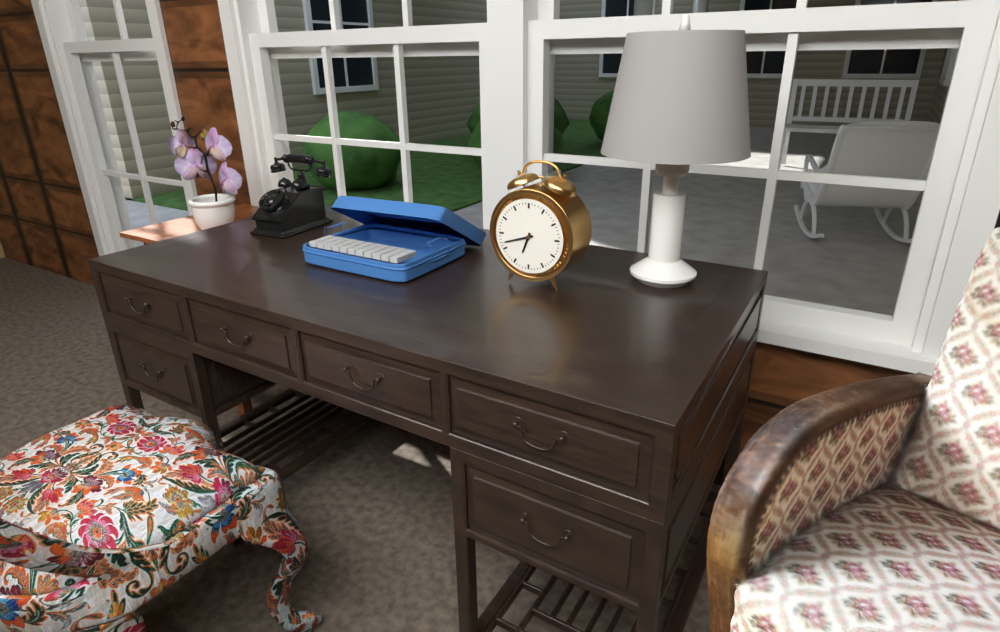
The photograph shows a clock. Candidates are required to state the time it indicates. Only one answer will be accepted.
6:42
